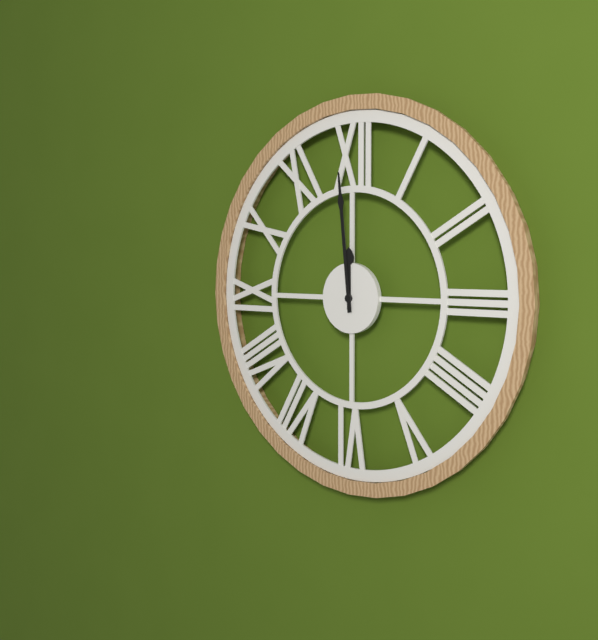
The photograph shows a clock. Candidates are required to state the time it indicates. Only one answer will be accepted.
11:59
